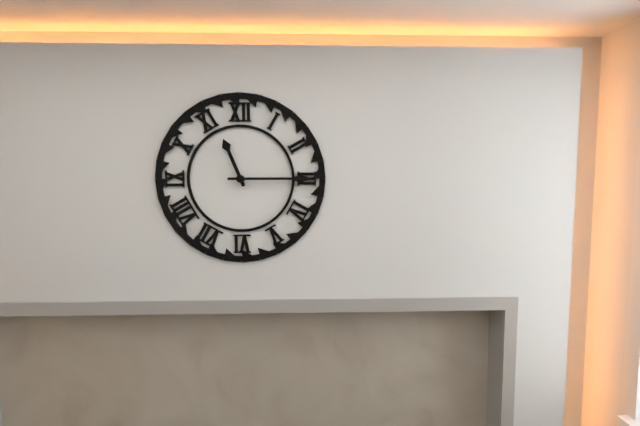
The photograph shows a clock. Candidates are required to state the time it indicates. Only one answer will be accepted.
11:15
